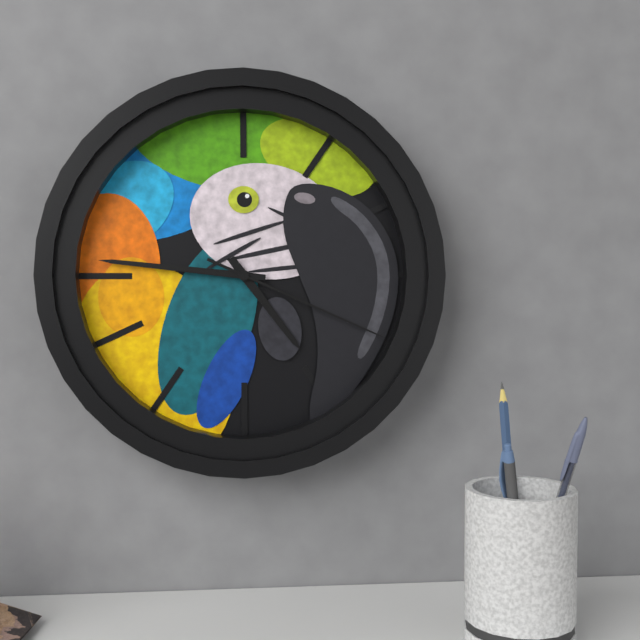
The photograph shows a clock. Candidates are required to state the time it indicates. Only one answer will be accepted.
4:46:19
